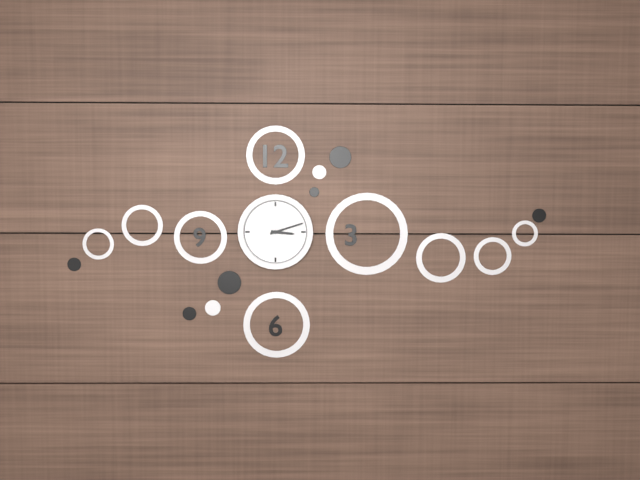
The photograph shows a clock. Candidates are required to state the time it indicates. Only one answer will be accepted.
3:12
